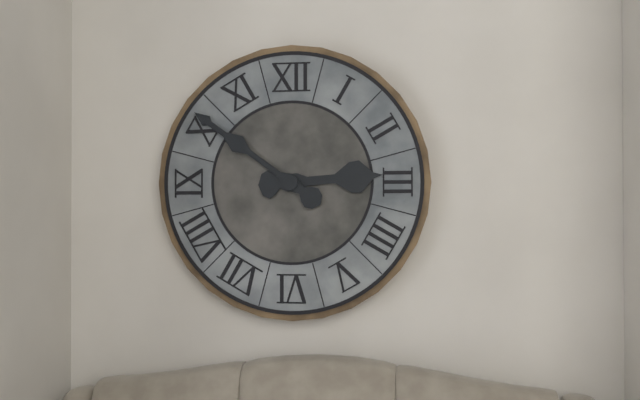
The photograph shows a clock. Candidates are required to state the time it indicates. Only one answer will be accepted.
2:51
